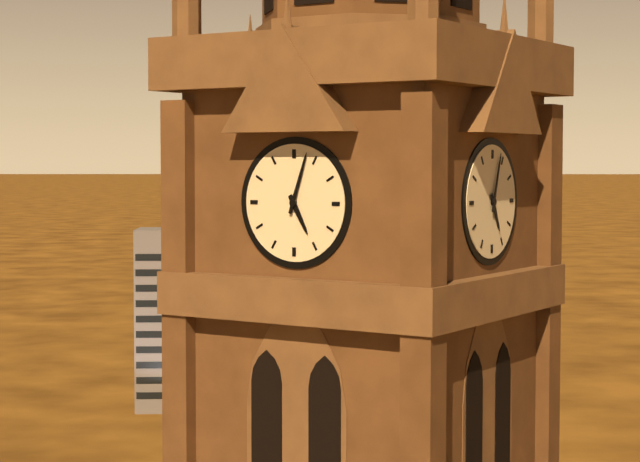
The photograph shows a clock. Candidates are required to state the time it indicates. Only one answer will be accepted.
5:03
